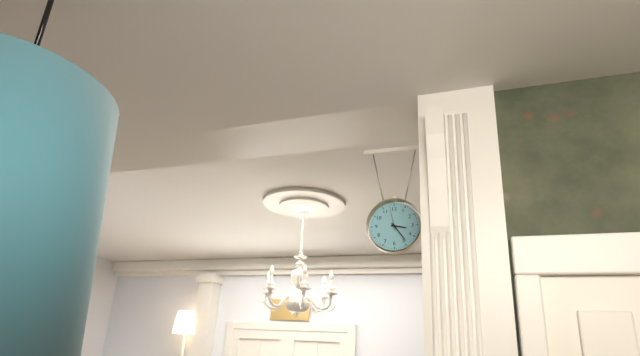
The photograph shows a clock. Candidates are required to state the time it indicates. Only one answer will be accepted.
3:24
